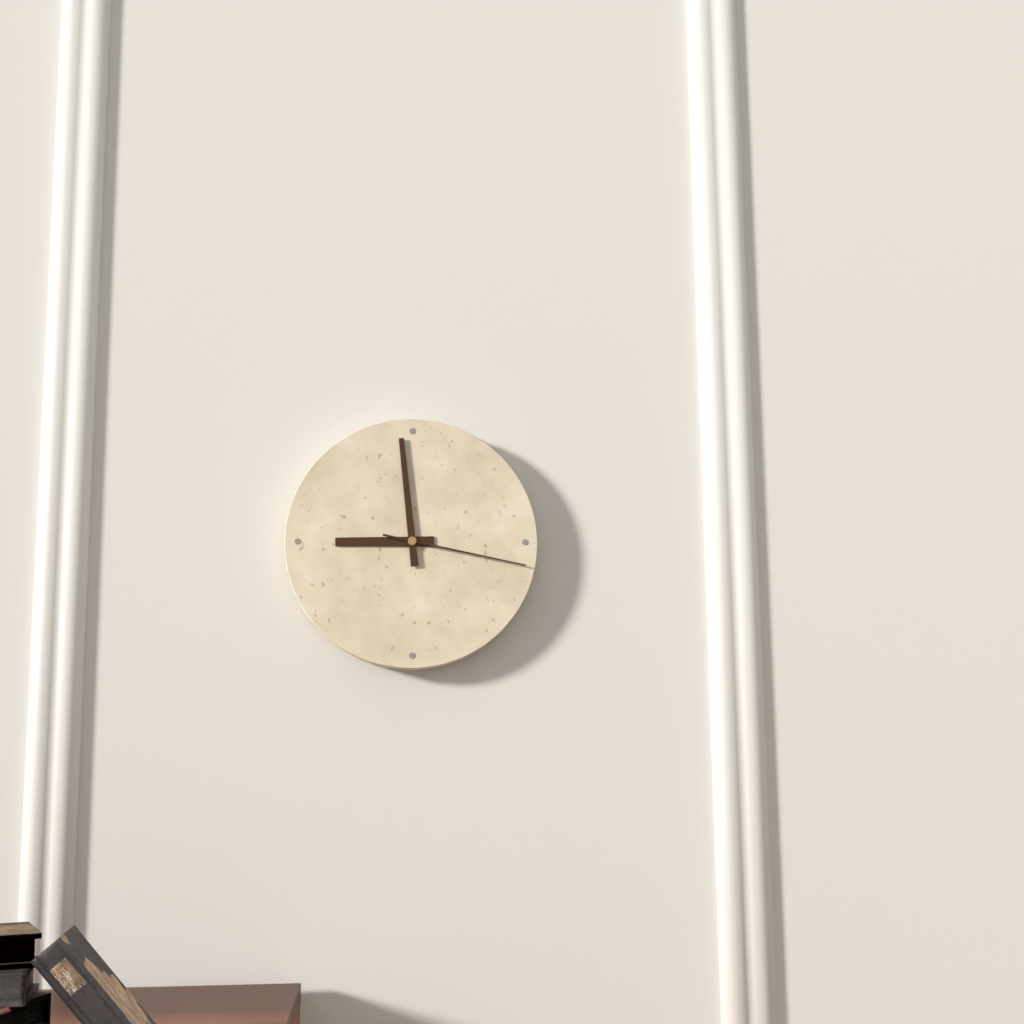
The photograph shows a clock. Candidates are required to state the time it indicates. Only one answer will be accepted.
8:59:17
